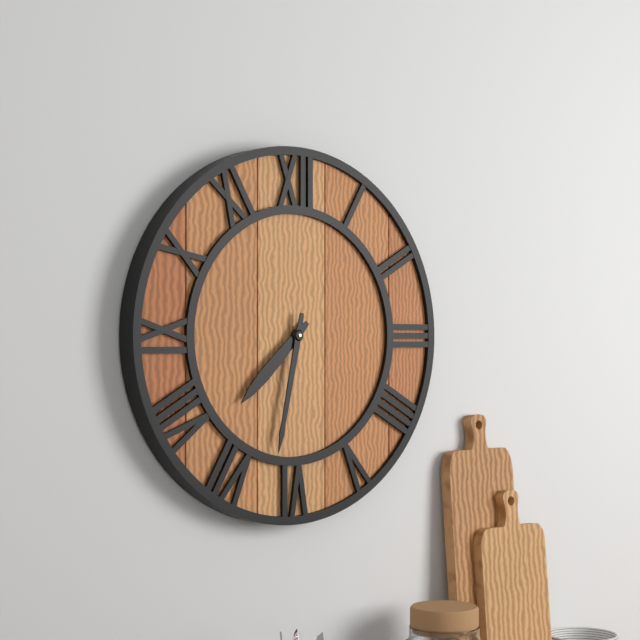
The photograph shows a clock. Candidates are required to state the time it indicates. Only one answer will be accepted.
7:32
